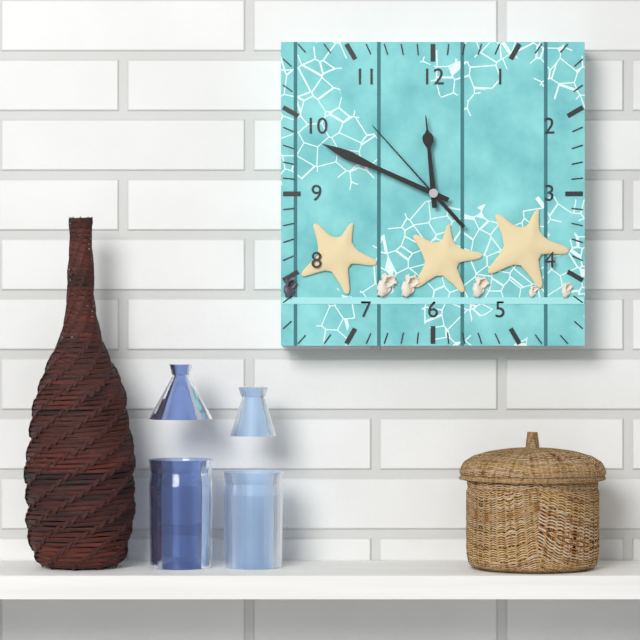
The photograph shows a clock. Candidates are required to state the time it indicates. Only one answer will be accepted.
11:49:53
